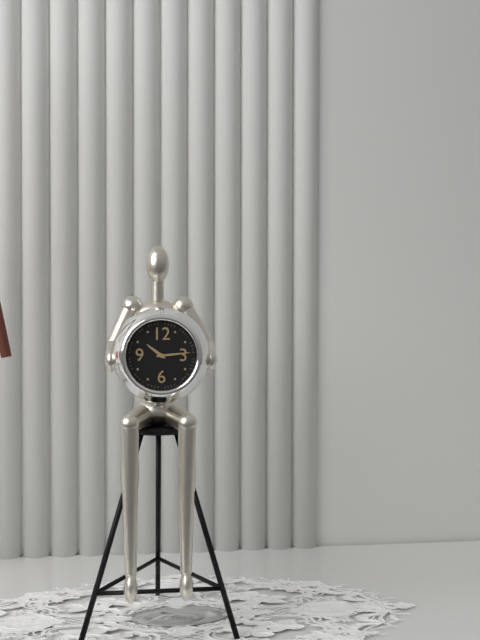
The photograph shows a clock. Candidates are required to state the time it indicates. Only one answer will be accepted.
10:14
